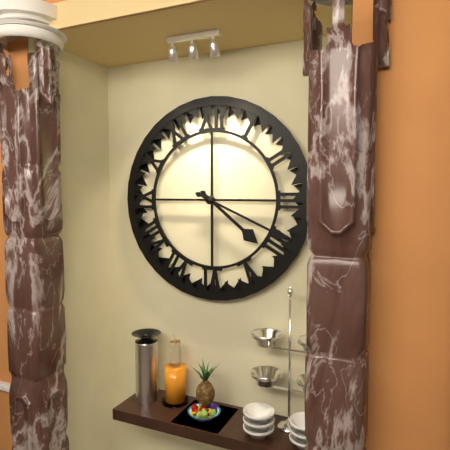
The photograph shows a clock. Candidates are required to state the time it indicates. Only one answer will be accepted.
4:19
